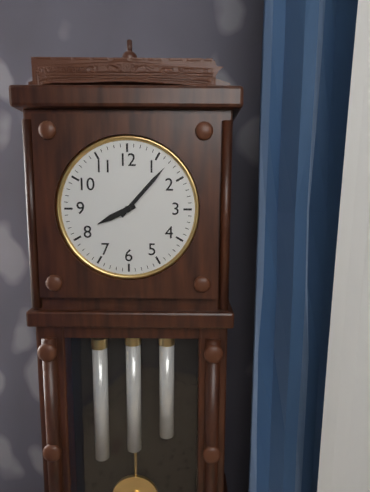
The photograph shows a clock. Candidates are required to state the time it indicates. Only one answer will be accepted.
8:07
